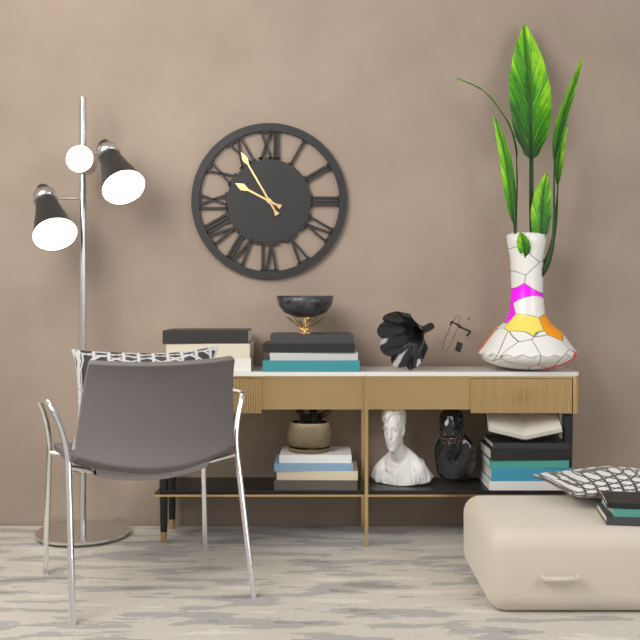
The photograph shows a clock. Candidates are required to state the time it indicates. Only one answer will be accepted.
9:55
